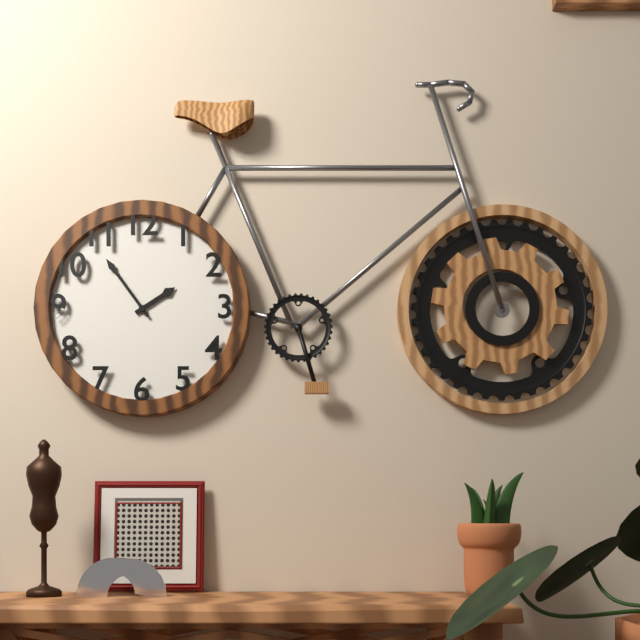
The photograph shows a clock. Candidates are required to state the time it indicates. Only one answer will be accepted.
1:54
